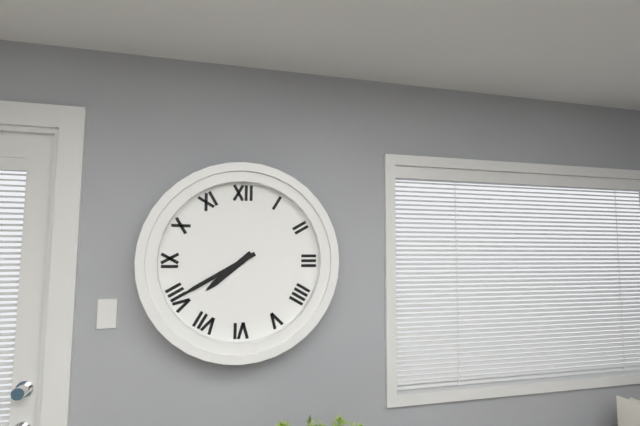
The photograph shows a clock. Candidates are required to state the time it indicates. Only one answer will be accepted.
7:40
